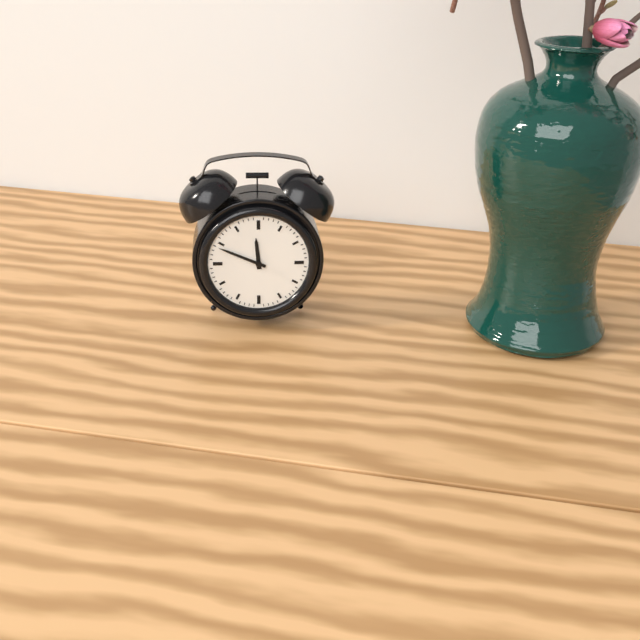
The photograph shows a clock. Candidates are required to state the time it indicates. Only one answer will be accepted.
11:49
